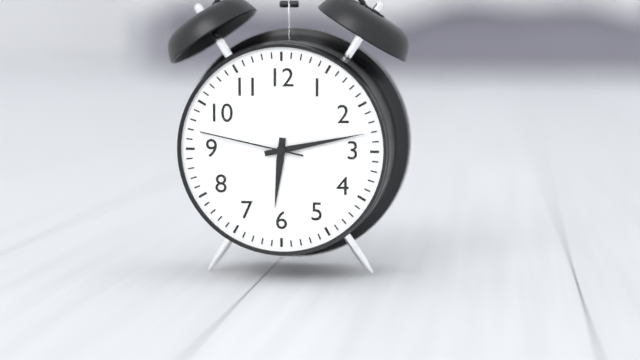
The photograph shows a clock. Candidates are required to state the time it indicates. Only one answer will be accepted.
6:13:47
